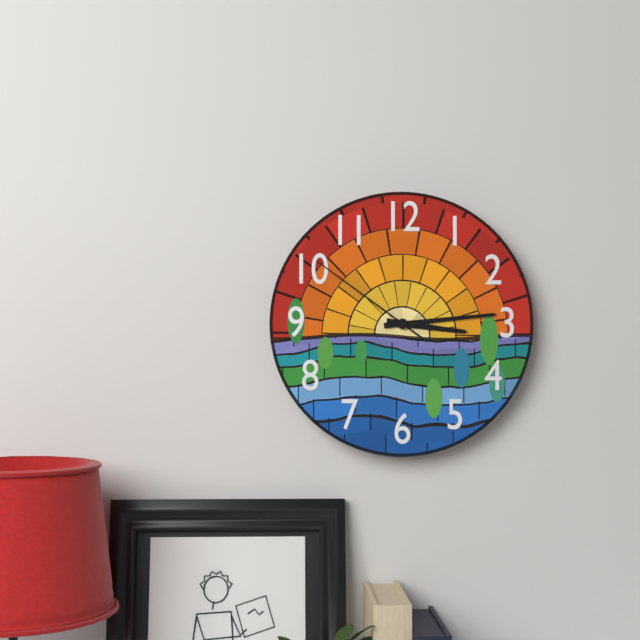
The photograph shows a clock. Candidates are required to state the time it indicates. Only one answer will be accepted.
3:14:51
